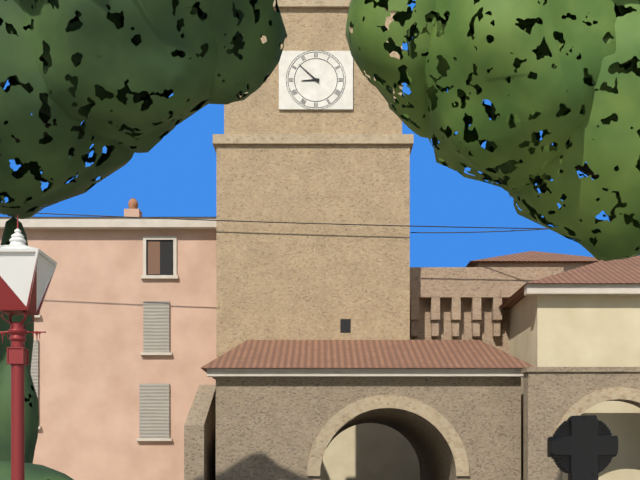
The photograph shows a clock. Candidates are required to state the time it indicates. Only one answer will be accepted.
8:52
